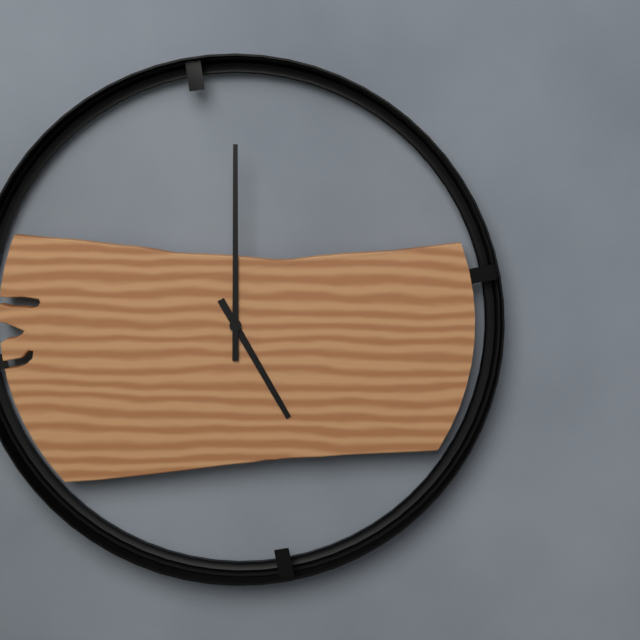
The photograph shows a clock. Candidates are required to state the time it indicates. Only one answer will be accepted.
5:00
